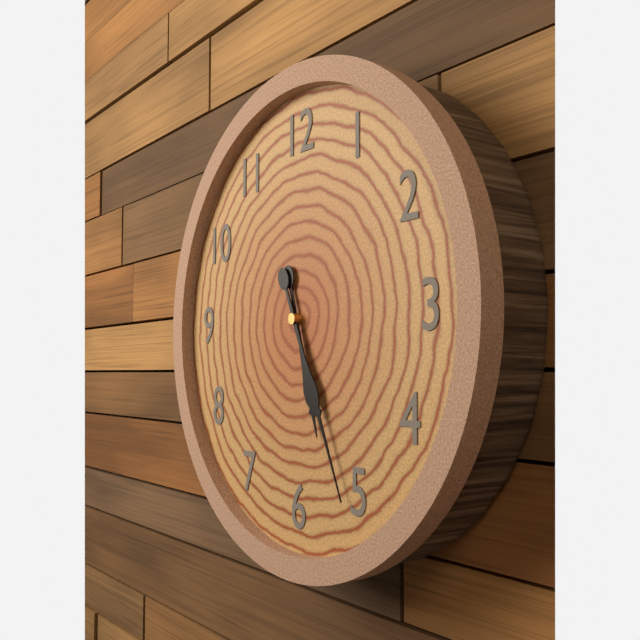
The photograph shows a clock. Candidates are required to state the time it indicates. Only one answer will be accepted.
5:26
